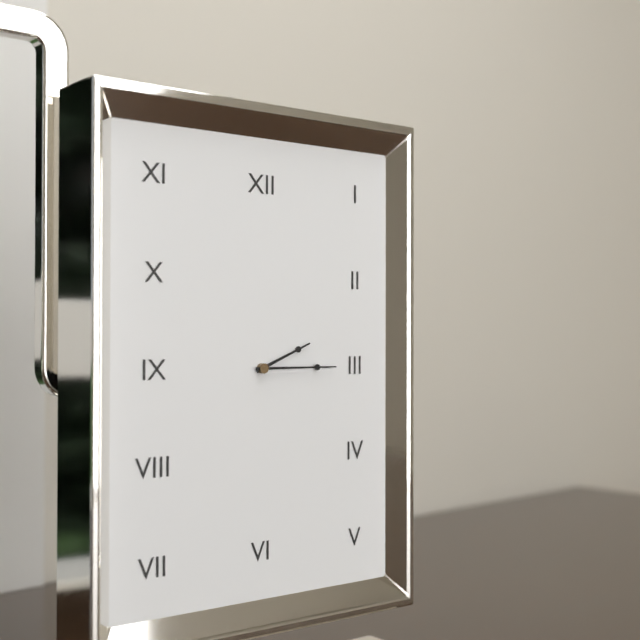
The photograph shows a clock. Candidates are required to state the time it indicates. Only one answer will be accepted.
2:15
